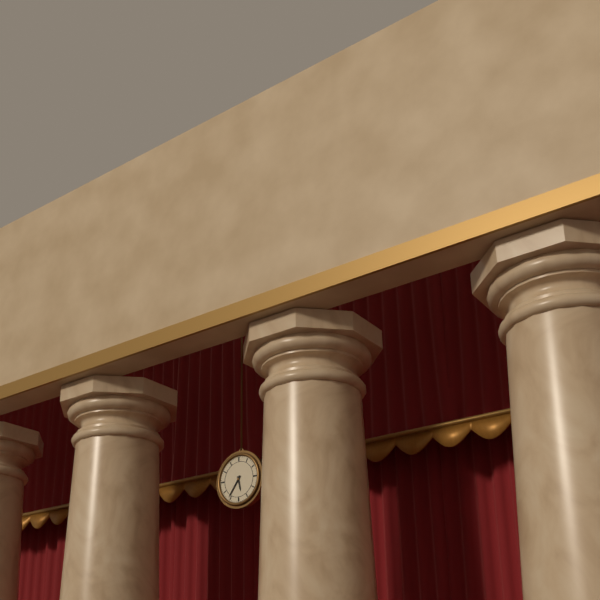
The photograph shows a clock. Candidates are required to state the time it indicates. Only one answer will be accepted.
5:36
